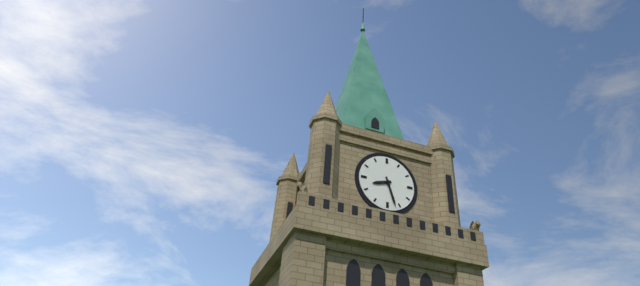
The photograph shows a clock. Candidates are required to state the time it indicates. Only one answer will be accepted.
8:27
